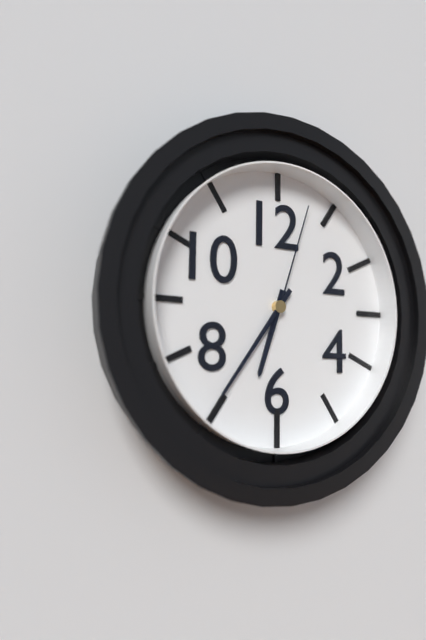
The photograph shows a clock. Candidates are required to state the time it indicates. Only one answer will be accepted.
6:36:03
